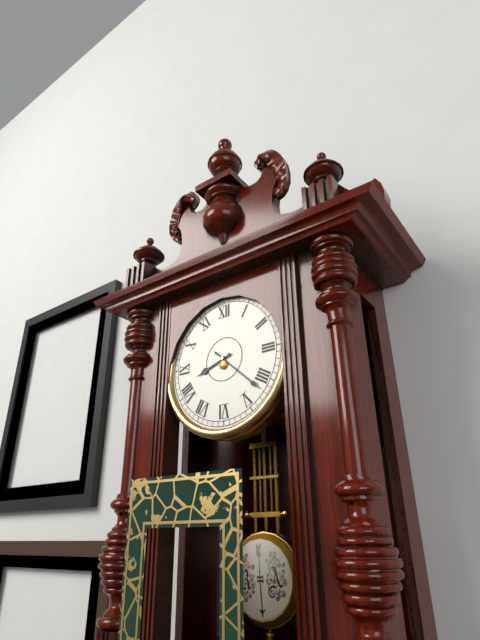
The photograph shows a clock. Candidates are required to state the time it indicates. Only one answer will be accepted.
8:22
